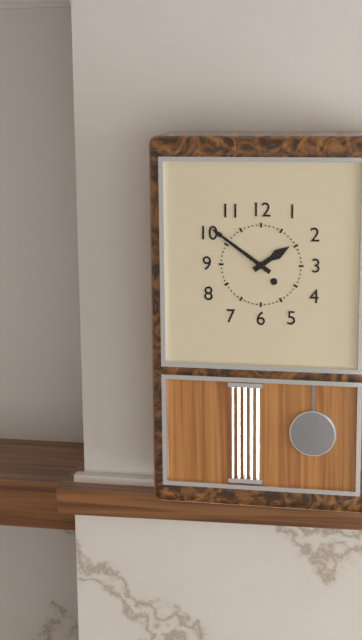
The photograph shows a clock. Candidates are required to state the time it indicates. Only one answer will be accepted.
1:51
